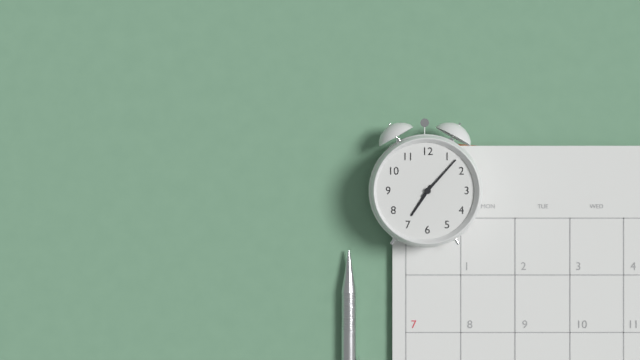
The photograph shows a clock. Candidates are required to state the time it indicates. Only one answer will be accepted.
7:07
